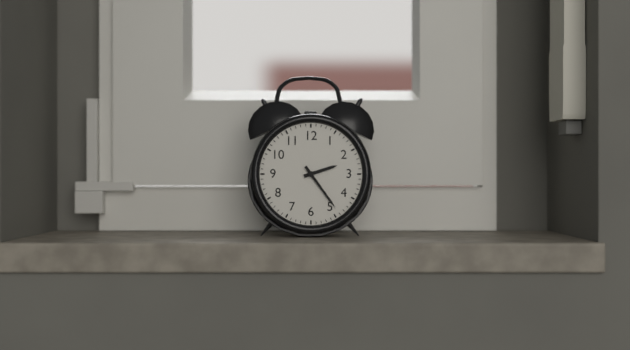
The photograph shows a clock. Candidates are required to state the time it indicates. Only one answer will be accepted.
2:24
